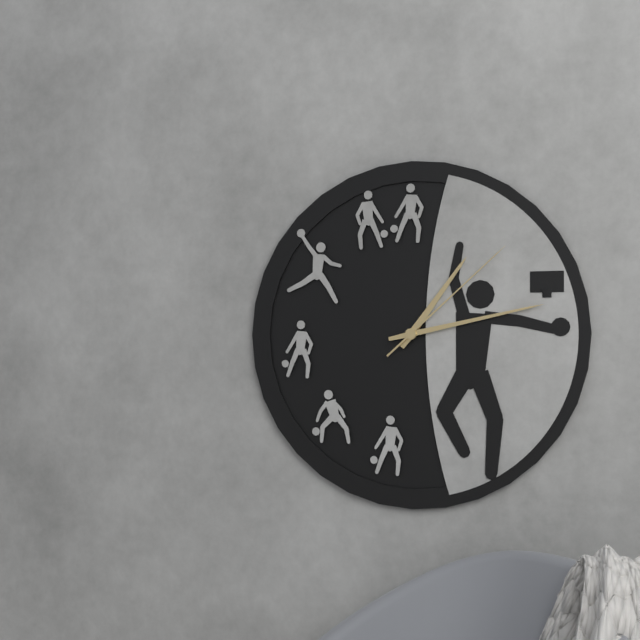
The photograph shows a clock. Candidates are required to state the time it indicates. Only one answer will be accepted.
1:13:08
